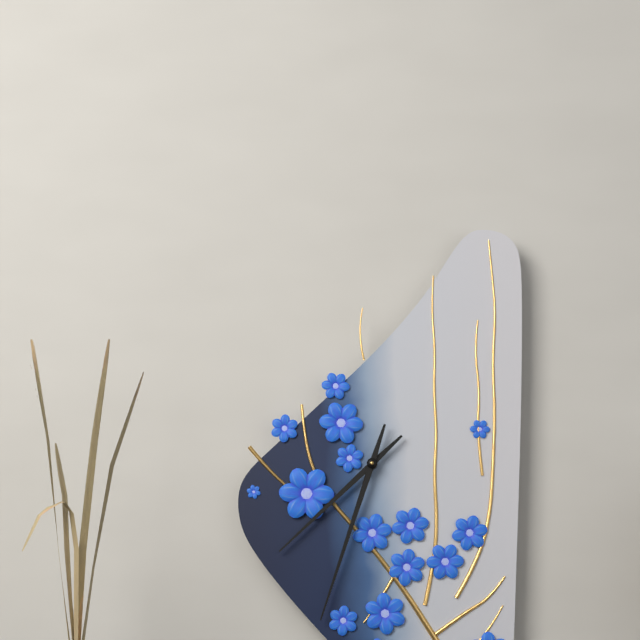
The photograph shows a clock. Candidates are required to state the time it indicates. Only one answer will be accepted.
7:33
